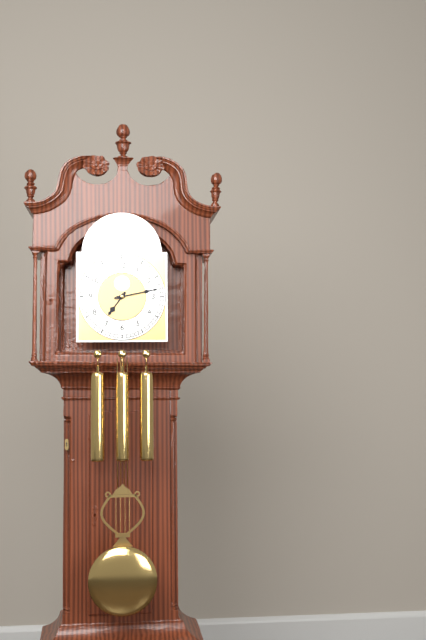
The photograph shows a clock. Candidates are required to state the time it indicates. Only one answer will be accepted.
7:13
